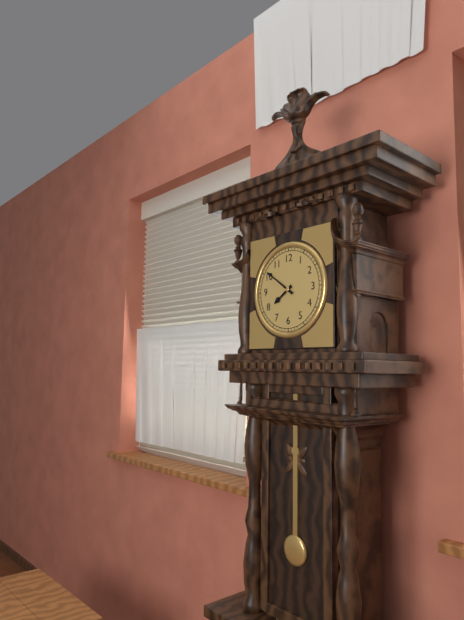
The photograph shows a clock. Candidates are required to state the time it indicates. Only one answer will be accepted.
7:51
